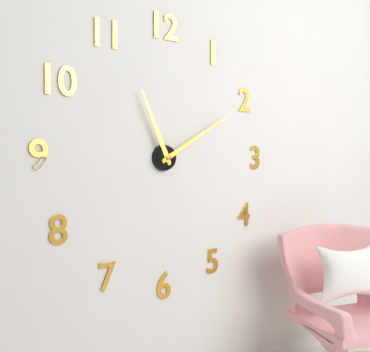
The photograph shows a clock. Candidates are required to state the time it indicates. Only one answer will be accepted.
11:10
